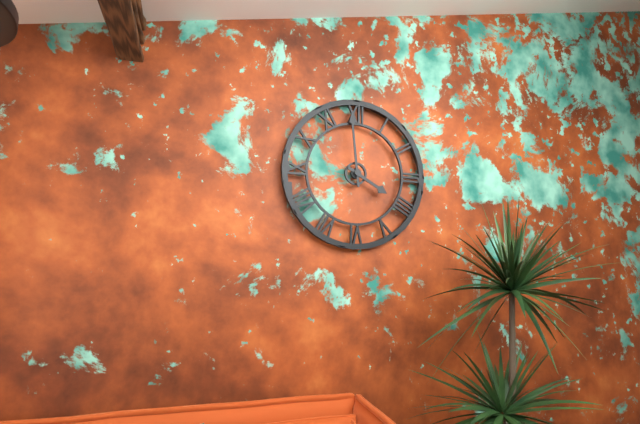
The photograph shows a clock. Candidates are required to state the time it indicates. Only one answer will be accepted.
3:59
